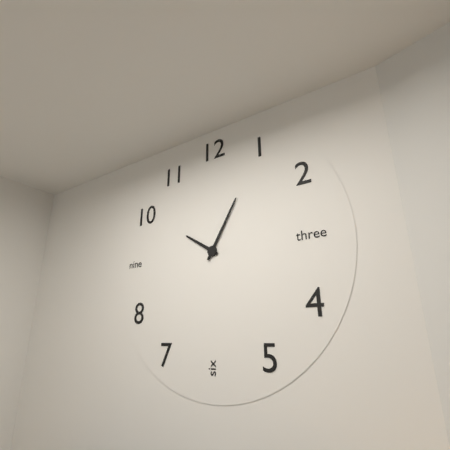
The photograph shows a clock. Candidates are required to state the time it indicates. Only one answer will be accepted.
10:05
